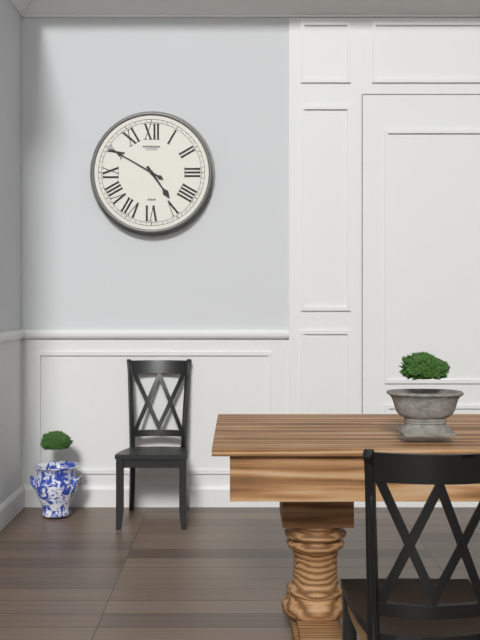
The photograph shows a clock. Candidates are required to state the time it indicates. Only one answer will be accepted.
4:50
